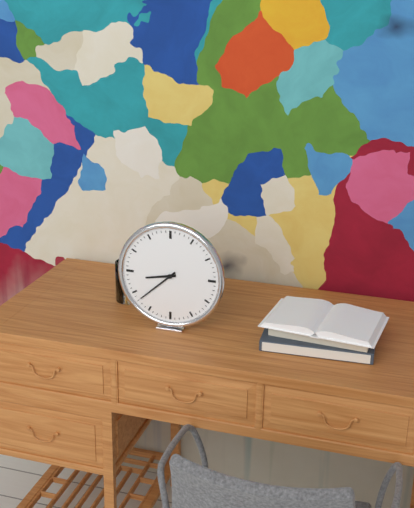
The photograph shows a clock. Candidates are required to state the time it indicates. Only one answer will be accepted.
8:38
